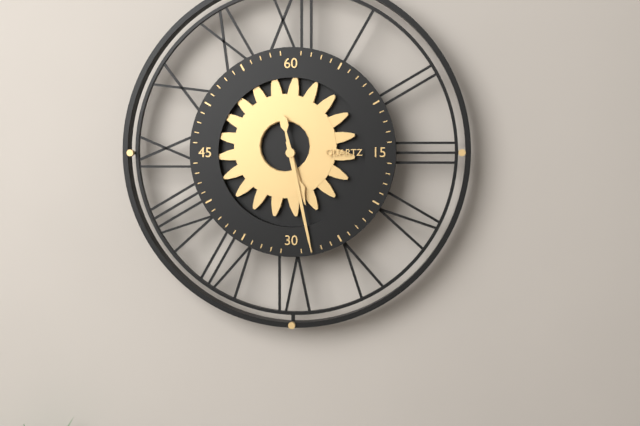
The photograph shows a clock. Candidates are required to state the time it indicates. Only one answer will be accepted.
5:28
